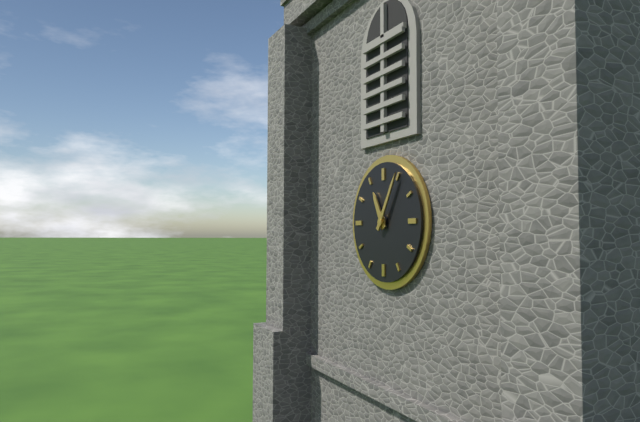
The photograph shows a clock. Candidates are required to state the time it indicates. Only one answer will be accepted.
11:05
